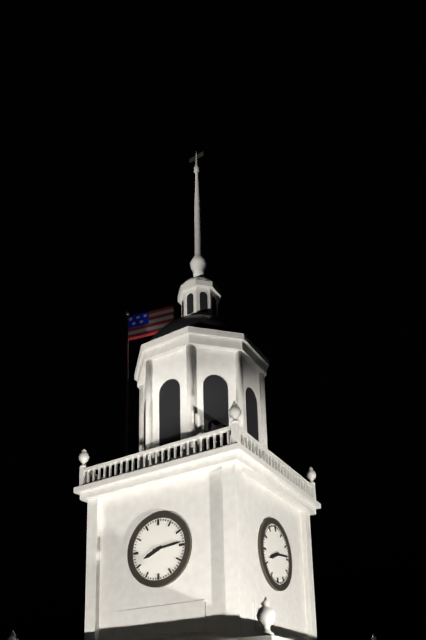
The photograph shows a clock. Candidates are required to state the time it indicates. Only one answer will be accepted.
8:14
